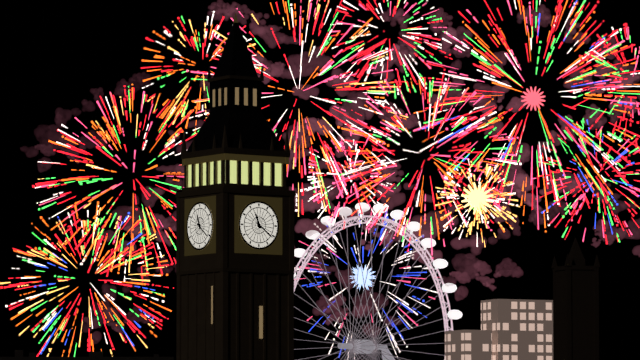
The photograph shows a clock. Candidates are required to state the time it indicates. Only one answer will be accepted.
11:21
